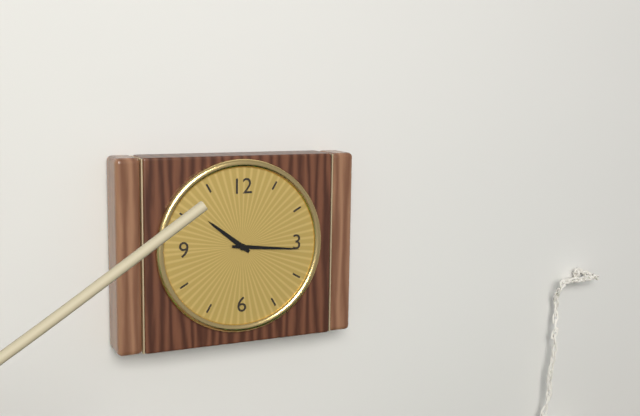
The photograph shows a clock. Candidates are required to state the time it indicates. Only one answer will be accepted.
10:16
